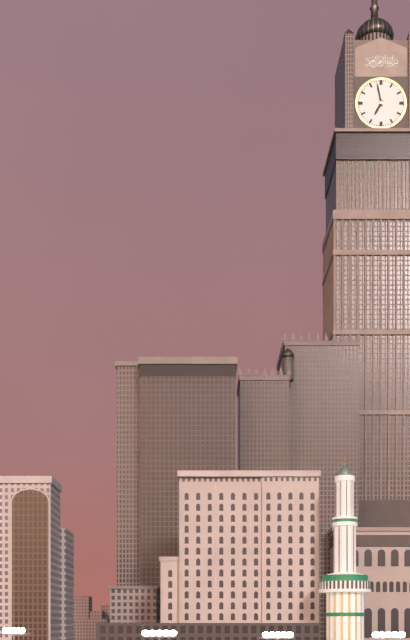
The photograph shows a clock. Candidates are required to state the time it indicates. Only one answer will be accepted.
6:58
